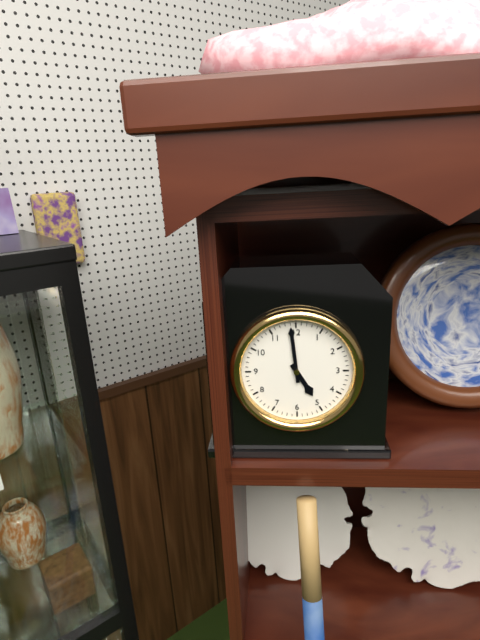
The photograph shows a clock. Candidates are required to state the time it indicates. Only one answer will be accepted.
4:59
